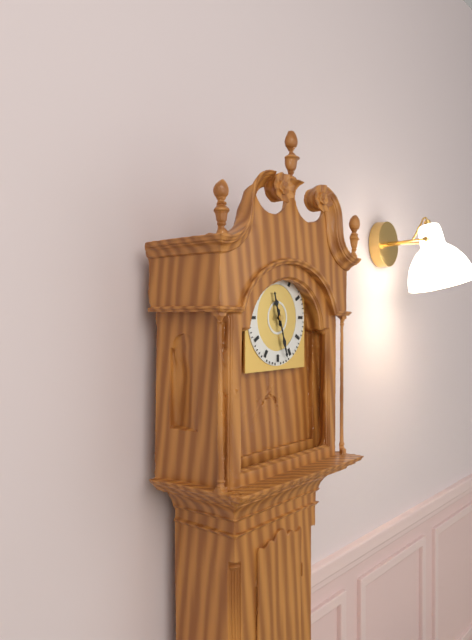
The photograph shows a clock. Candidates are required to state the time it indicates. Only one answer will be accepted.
11:27
